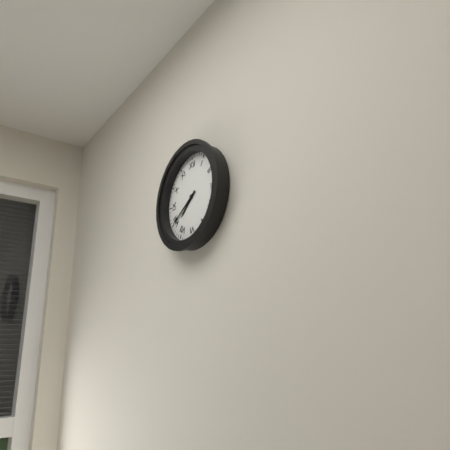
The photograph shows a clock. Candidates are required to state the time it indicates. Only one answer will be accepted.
7:40
